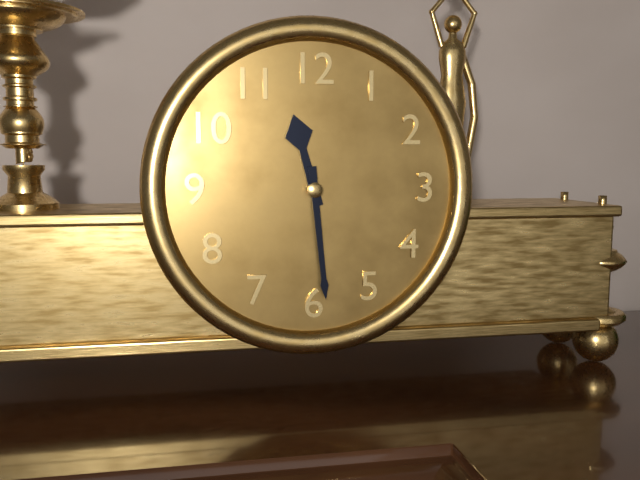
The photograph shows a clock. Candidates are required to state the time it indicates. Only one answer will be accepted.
11:29
